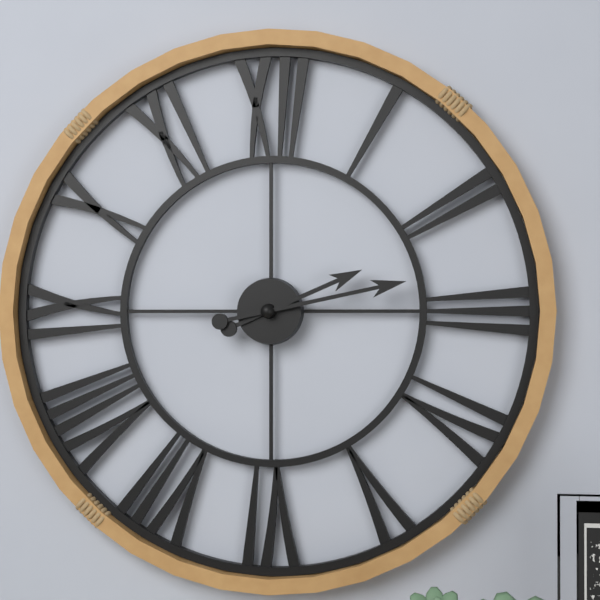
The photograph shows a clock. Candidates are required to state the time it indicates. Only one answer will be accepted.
2:13
